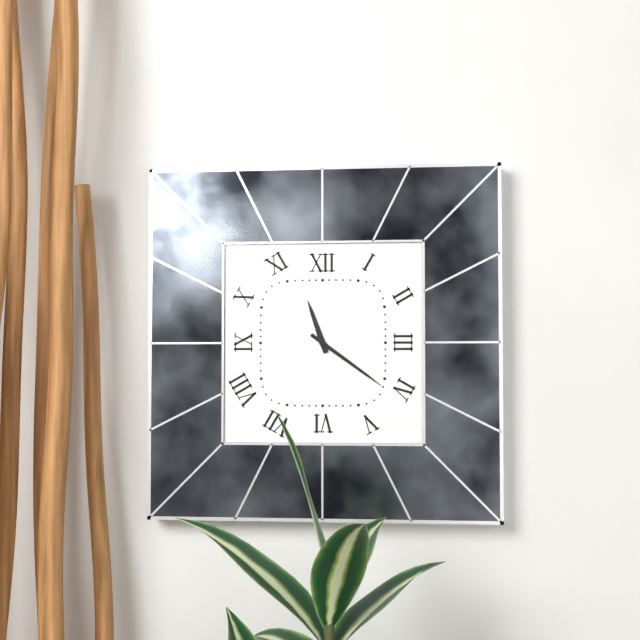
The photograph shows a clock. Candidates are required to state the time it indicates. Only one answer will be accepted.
11:21
